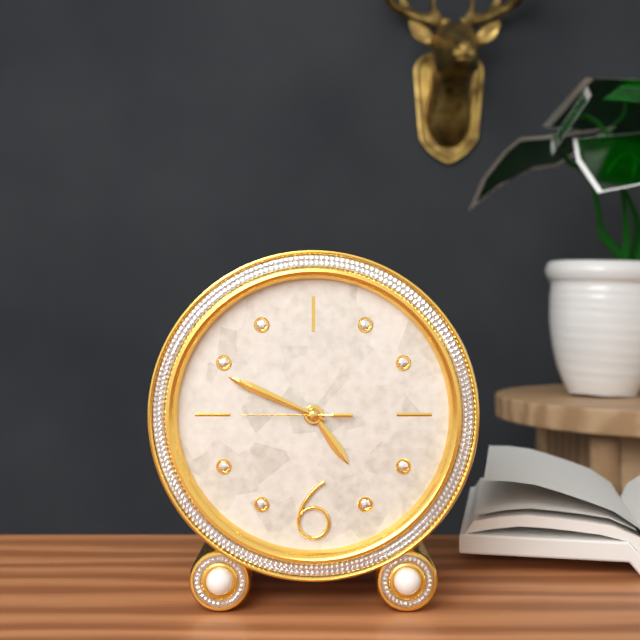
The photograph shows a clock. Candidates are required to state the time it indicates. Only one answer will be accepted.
4:49:45
